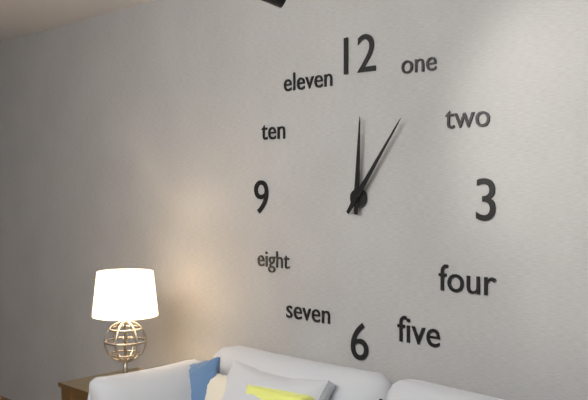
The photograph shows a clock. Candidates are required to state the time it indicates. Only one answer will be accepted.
12:06
